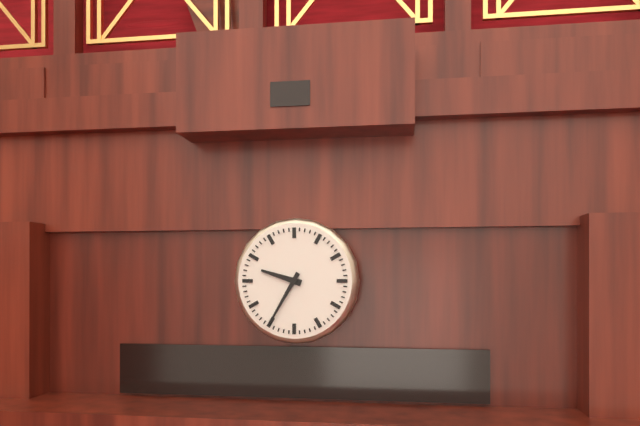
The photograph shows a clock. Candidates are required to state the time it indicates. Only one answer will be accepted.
9:35
